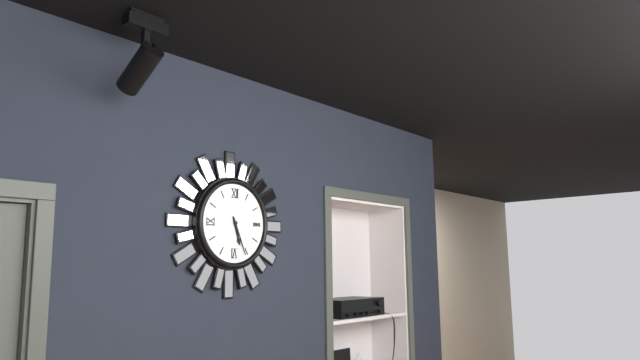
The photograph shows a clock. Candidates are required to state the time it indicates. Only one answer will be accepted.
5:26
